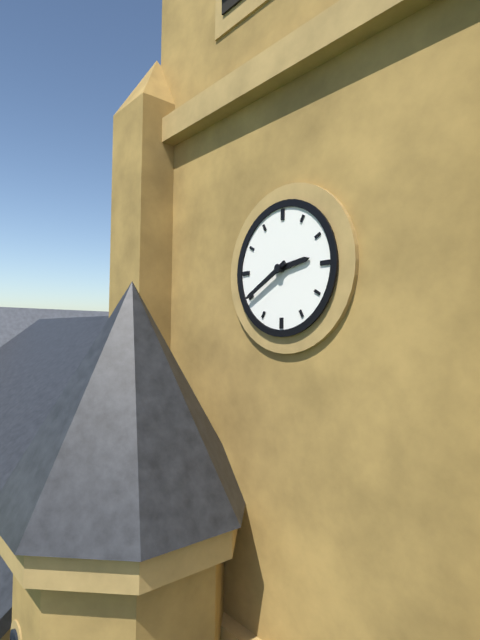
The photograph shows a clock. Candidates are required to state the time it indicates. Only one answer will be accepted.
2:40
